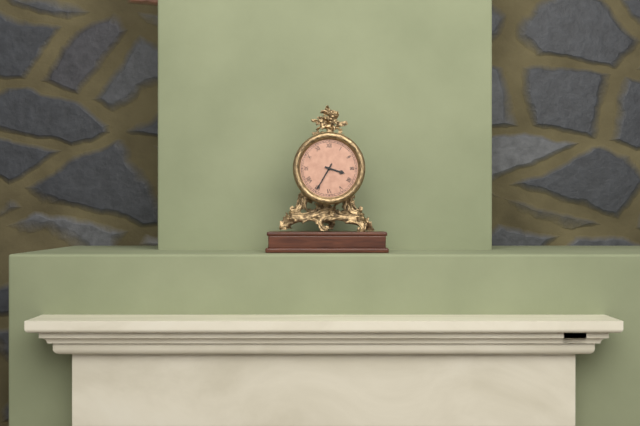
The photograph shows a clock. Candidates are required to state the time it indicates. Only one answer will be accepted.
3:35
